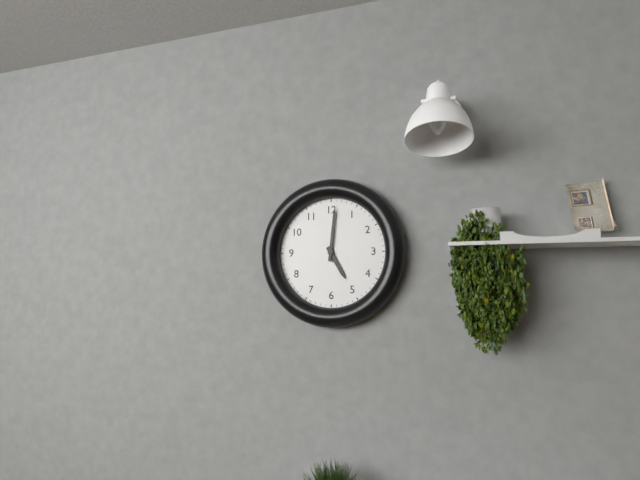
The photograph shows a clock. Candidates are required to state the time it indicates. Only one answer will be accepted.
5:01
